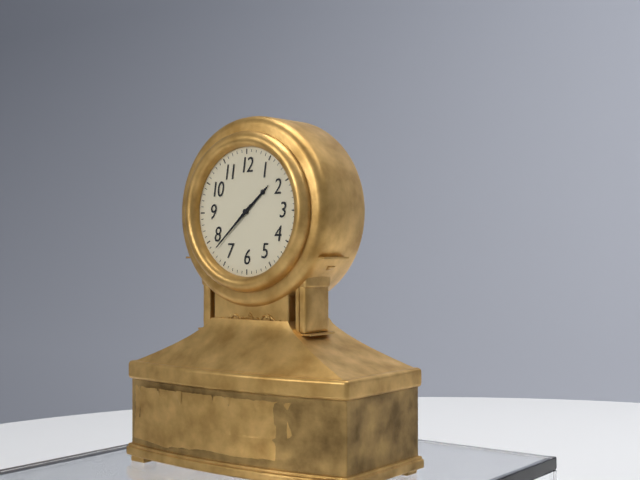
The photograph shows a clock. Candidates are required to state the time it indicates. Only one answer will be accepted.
1:38
